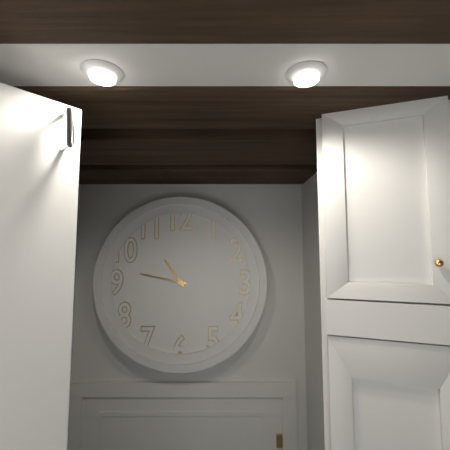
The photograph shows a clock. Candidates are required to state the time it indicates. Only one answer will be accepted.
10:47
